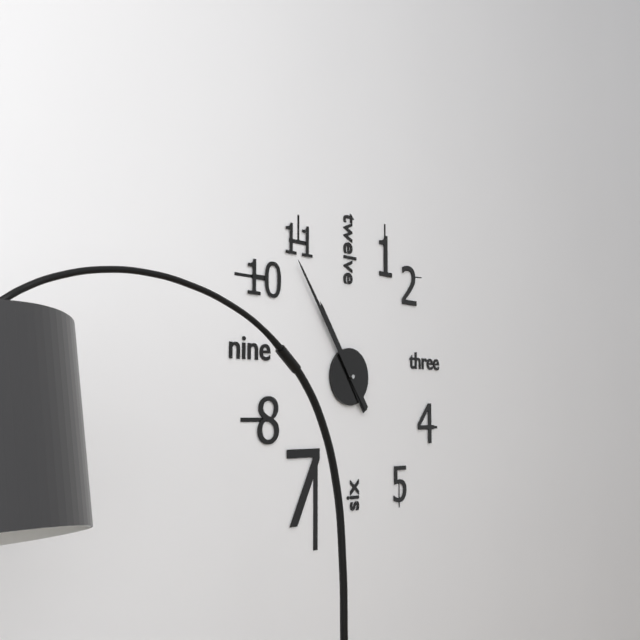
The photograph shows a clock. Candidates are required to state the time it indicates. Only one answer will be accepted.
10:54
